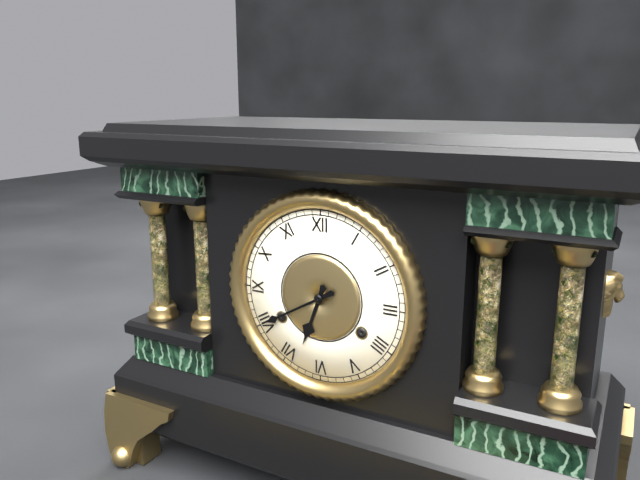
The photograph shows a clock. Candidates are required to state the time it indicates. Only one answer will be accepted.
6:40
